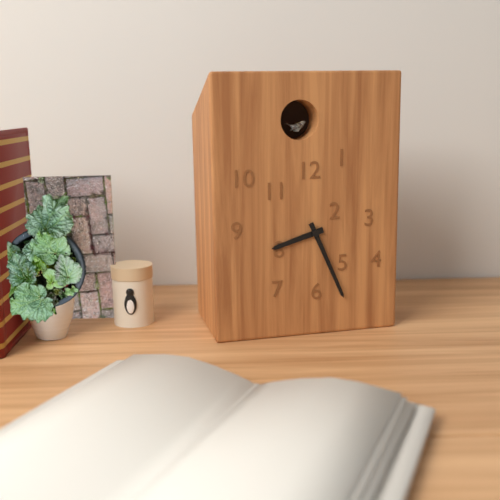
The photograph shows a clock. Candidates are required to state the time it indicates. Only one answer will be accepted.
8:26
